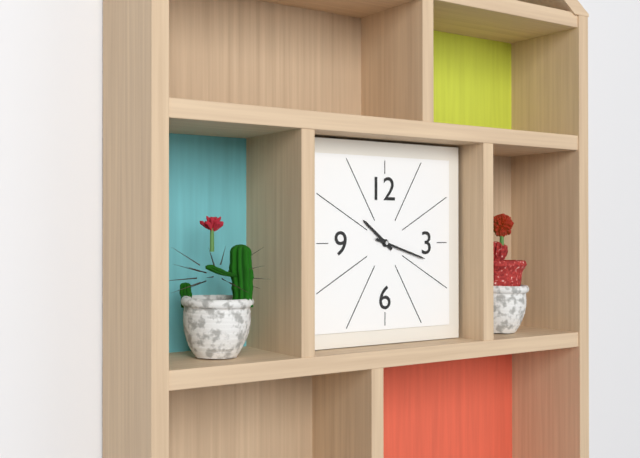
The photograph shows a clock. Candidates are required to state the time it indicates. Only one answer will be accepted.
10:18
